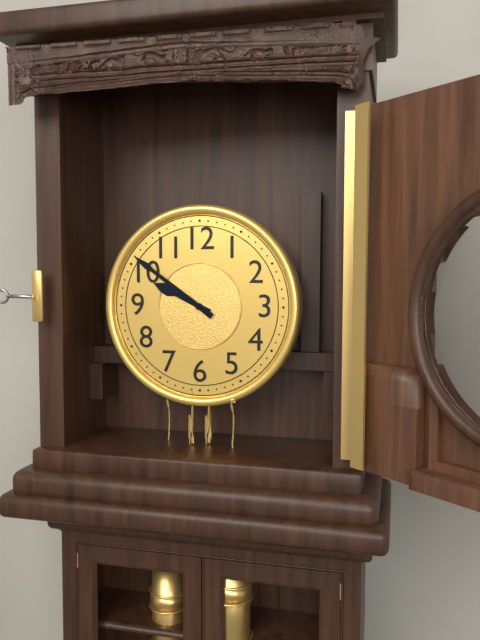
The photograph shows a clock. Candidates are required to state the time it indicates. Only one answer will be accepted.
9:51
